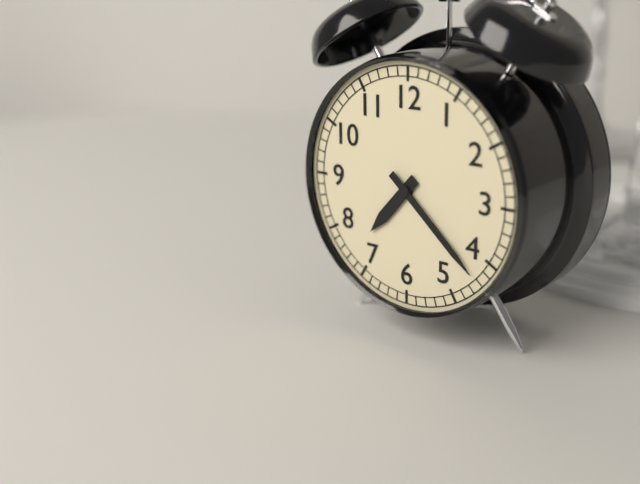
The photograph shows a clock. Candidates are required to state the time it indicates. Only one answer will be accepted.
7:22
